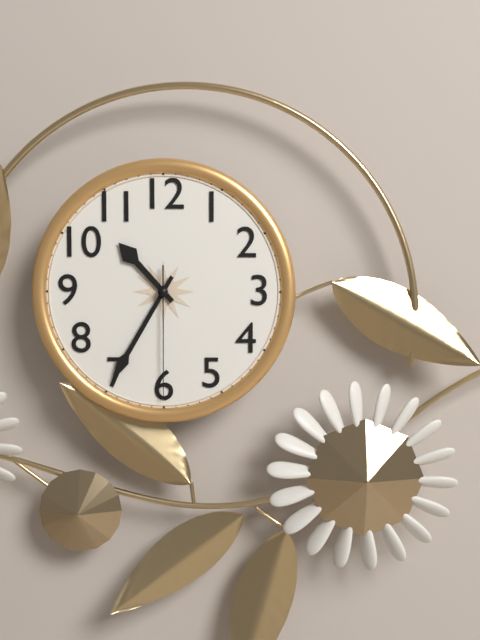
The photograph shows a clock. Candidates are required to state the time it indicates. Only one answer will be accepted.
10:35:30
